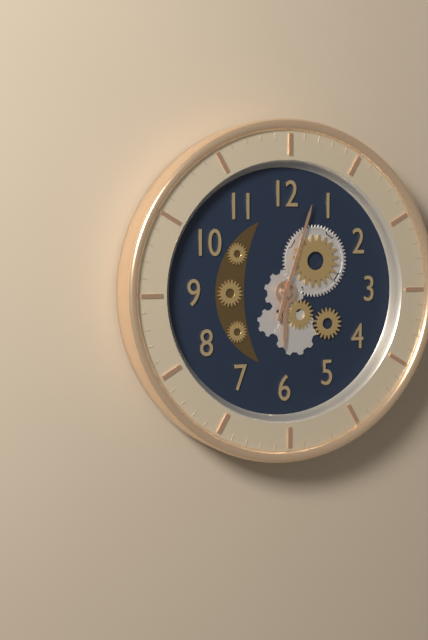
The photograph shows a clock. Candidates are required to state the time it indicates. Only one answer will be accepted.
6:03
